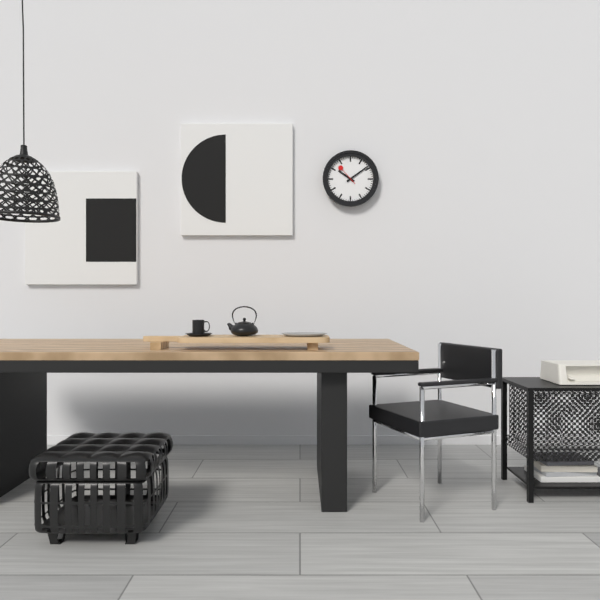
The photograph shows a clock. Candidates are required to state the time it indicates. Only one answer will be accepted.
10:09
